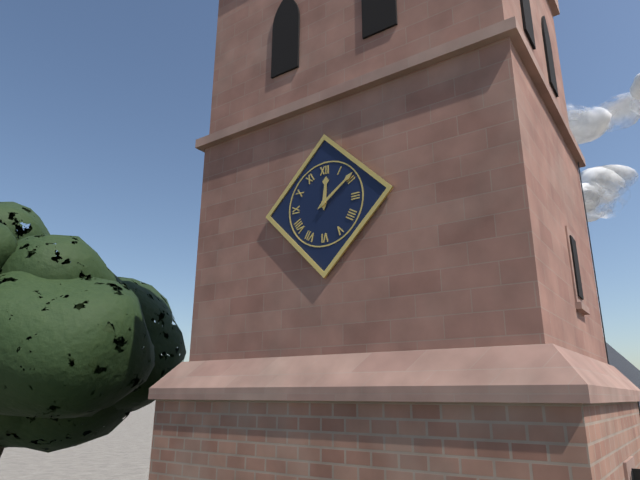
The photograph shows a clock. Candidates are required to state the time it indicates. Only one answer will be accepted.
12:09
